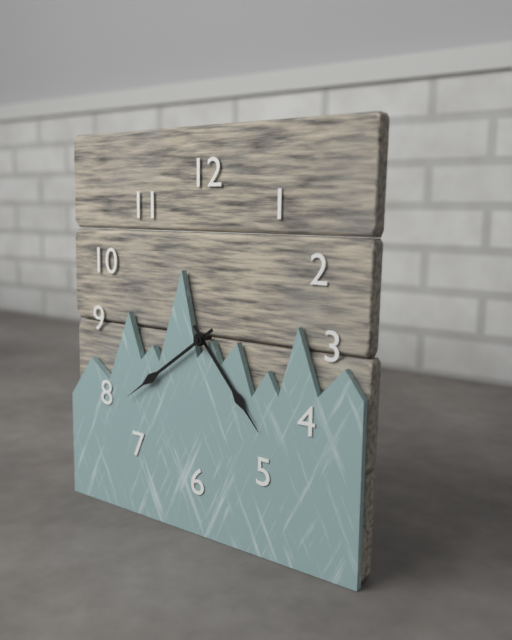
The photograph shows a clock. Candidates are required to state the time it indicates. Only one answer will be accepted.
4:39
